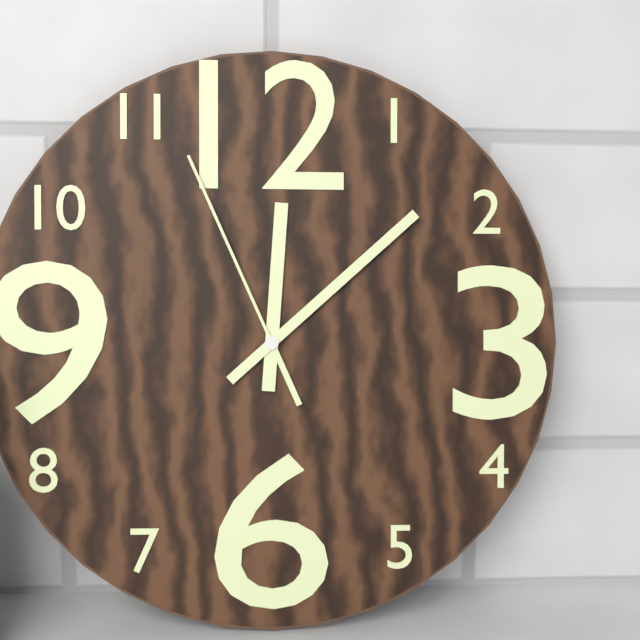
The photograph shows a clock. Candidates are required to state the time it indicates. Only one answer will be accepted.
12:08:56
